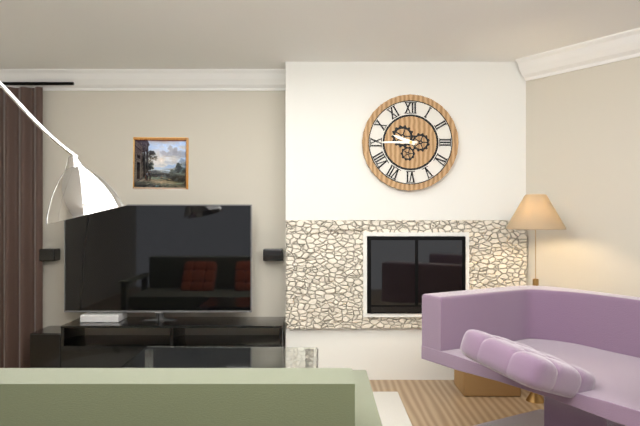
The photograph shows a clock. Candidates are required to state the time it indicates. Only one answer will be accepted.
9:45
